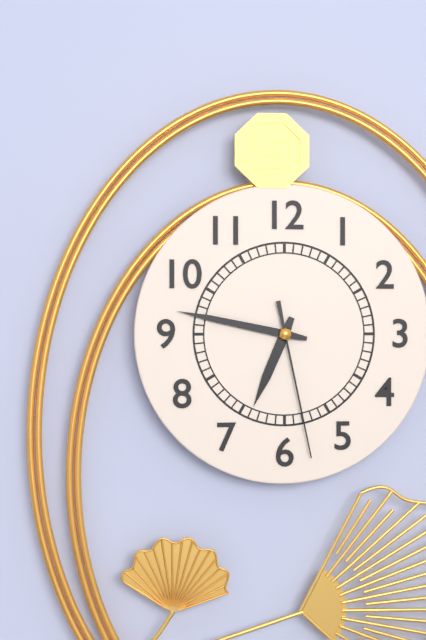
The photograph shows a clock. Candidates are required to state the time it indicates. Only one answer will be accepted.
6:47:28
